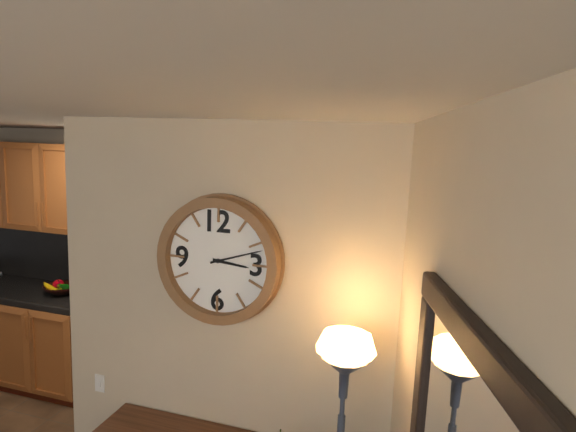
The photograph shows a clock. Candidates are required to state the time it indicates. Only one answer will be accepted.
3:12
